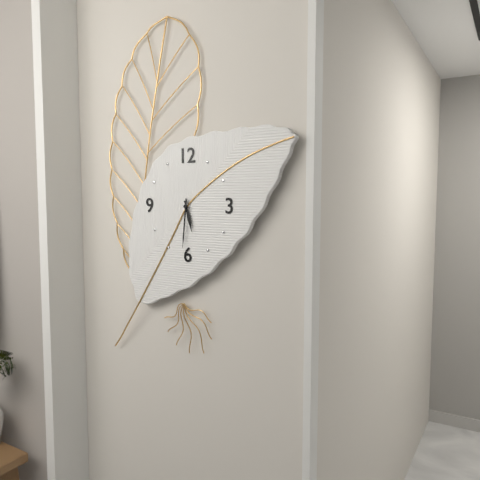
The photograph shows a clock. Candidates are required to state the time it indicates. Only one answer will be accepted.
5:31
